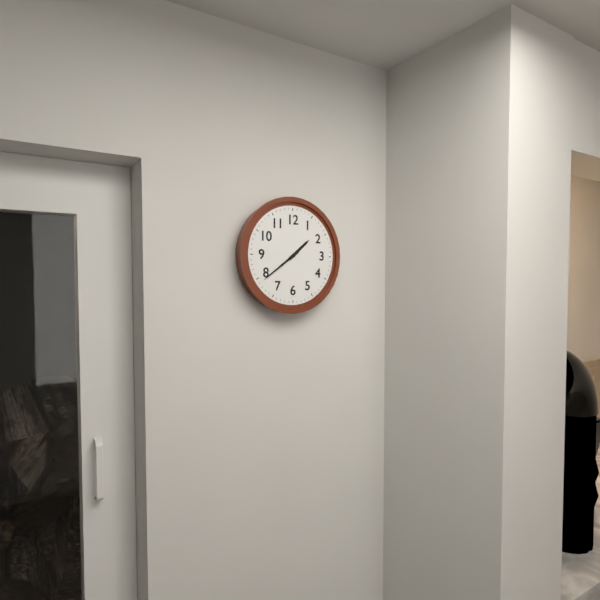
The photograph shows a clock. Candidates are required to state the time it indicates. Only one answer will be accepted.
1:39
